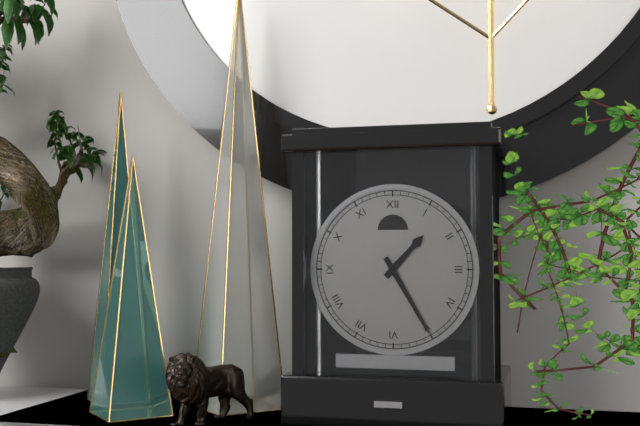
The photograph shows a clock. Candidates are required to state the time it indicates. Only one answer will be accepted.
1:25
